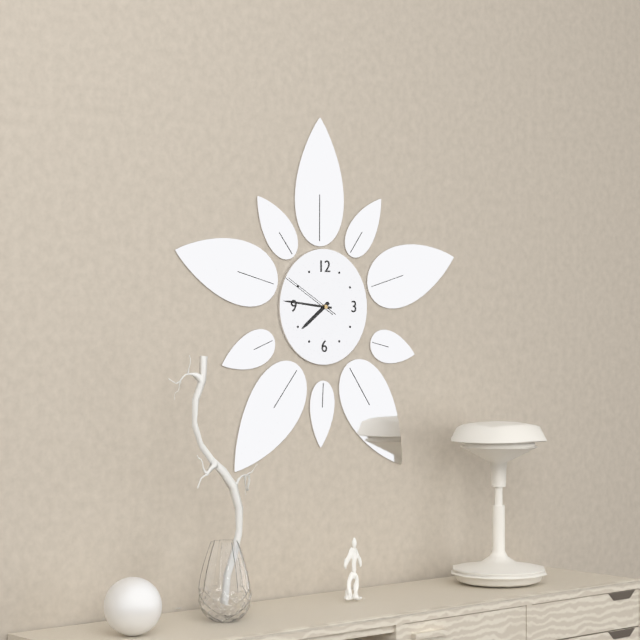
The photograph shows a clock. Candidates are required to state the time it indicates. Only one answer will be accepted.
7:46:50
